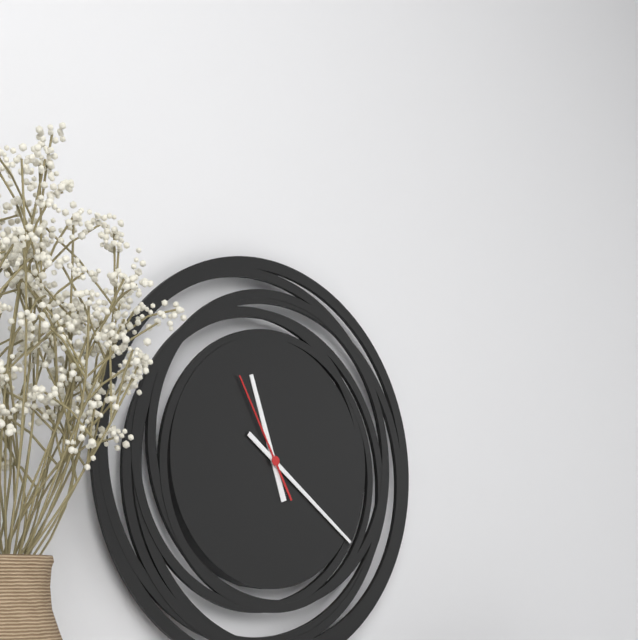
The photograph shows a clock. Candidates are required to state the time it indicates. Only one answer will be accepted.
11:21:55
